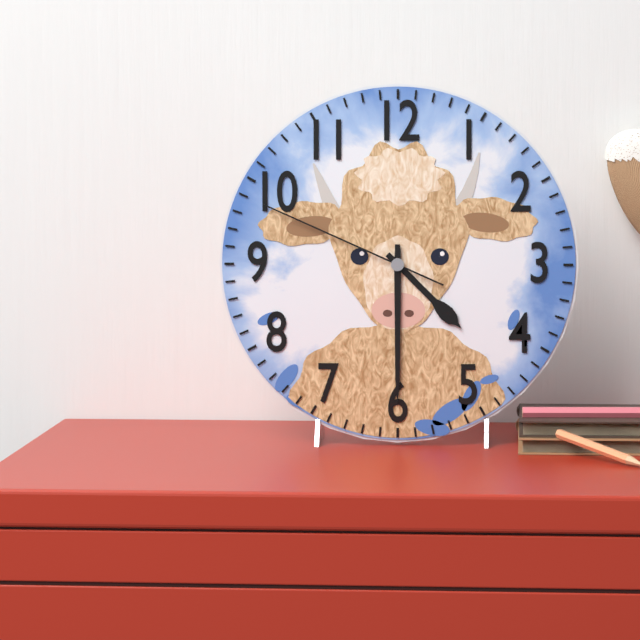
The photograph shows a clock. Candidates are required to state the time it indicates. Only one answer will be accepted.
4:30:49
